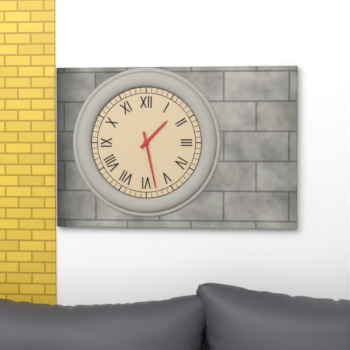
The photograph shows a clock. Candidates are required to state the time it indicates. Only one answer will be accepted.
1:28
